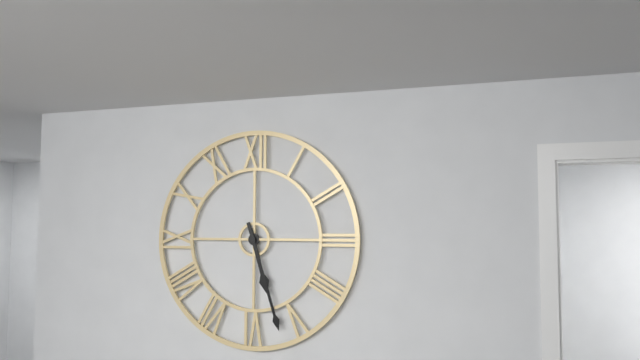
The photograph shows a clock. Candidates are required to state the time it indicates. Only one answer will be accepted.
5:27
